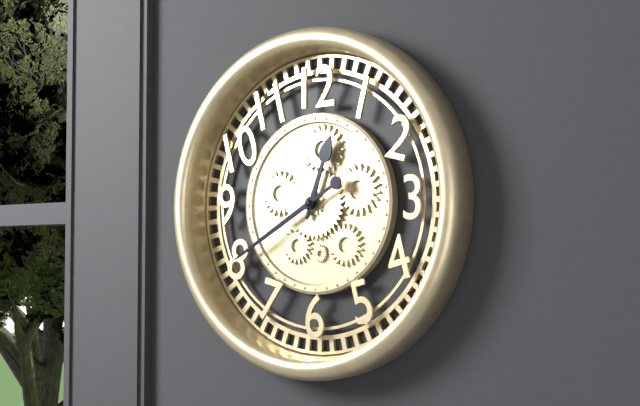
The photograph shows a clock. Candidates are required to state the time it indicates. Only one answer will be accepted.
12:40
